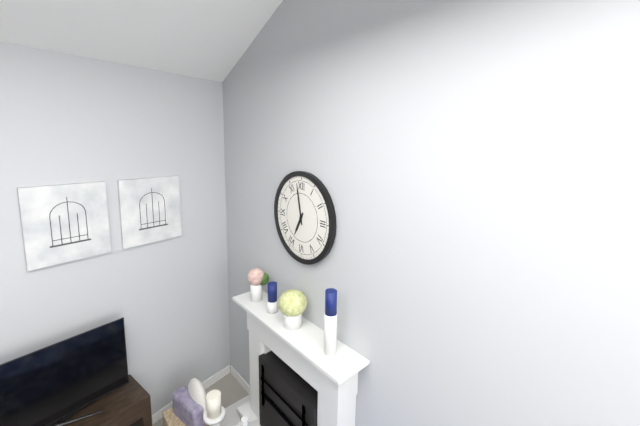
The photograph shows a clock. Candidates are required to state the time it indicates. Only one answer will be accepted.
6:58
